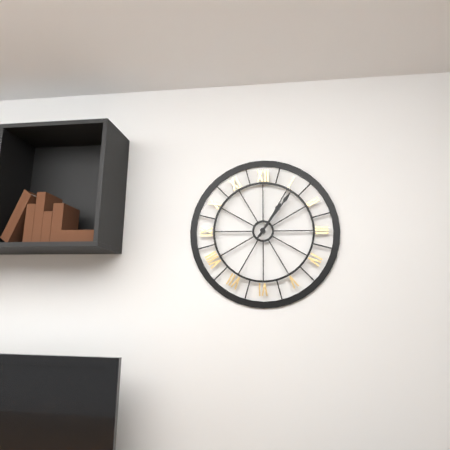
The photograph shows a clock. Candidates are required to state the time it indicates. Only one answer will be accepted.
1:06
